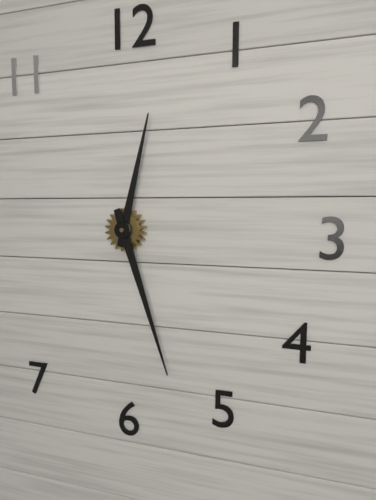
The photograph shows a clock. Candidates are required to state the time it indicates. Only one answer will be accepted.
12:27
